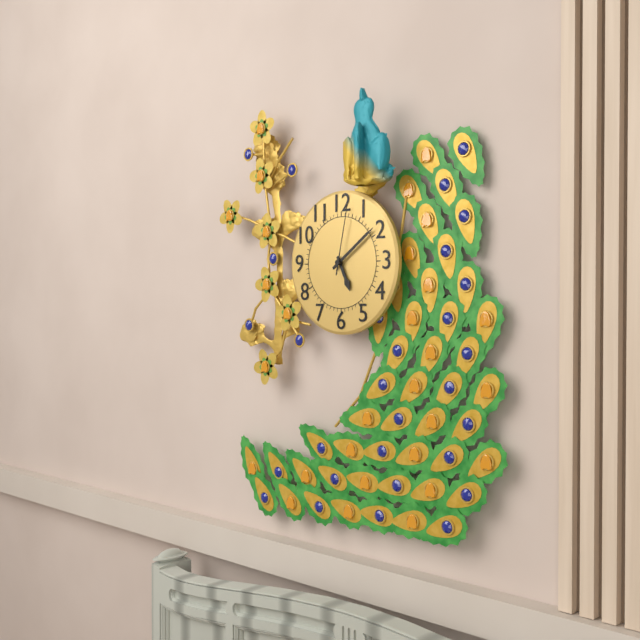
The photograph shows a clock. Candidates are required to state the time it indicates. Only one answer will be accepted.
5:09:02
